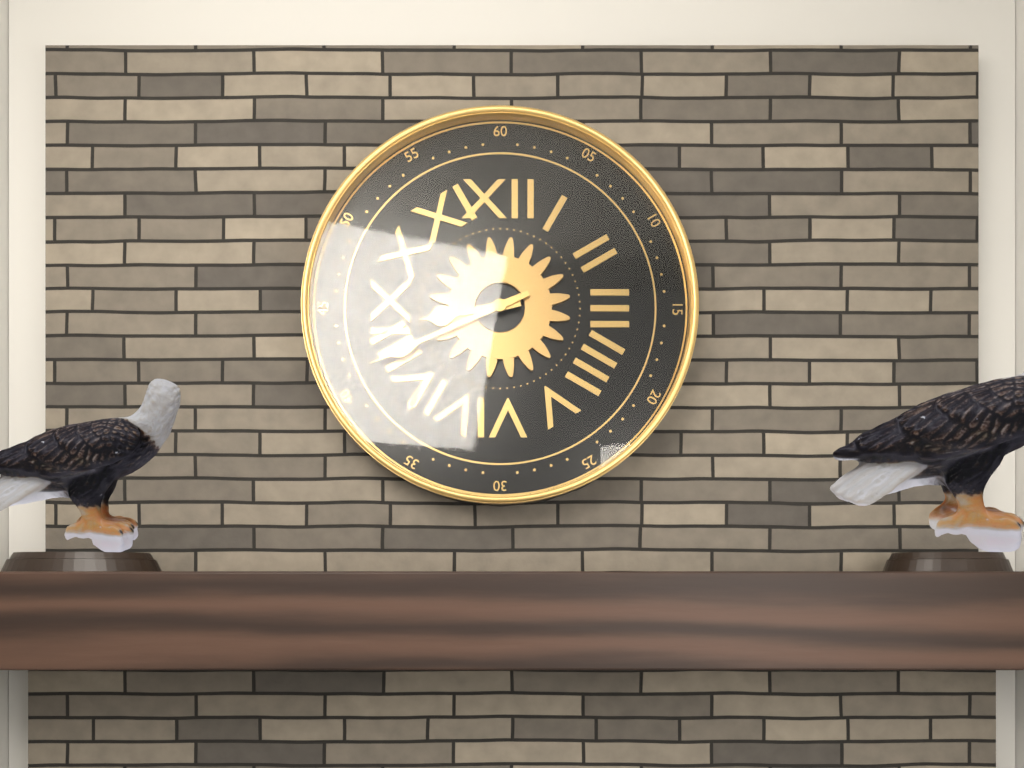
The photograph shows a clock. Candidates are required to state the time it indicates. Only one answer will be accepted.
8:41
